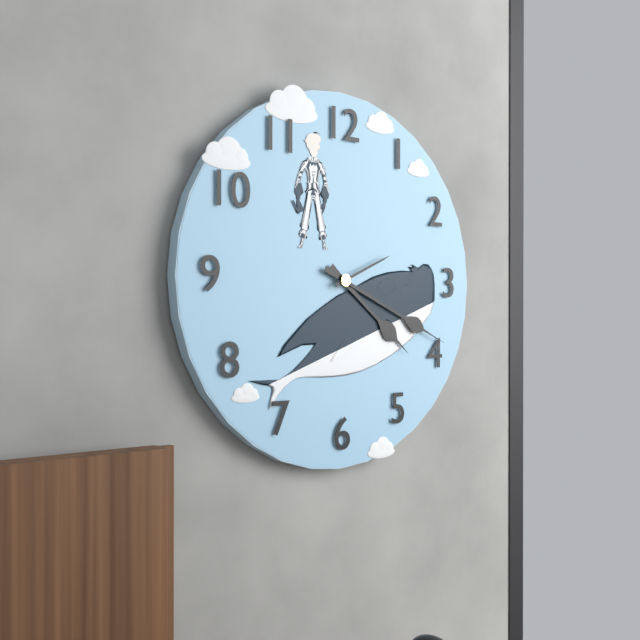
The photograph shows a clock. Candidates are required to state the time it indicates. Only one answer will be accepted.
4:19:11
